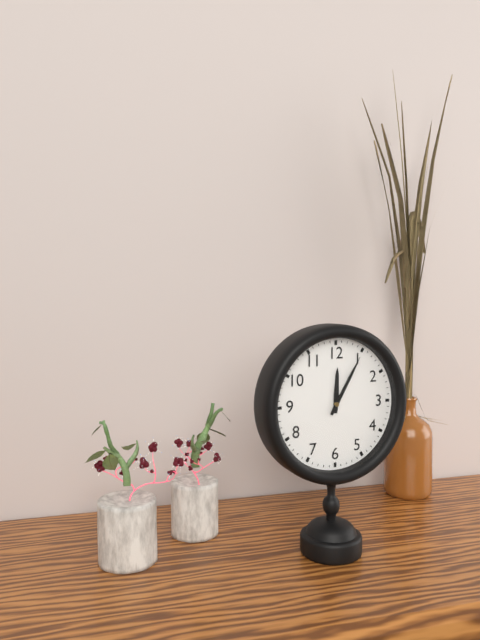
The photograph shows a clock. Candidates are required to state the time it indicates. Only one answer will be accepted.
12:05
